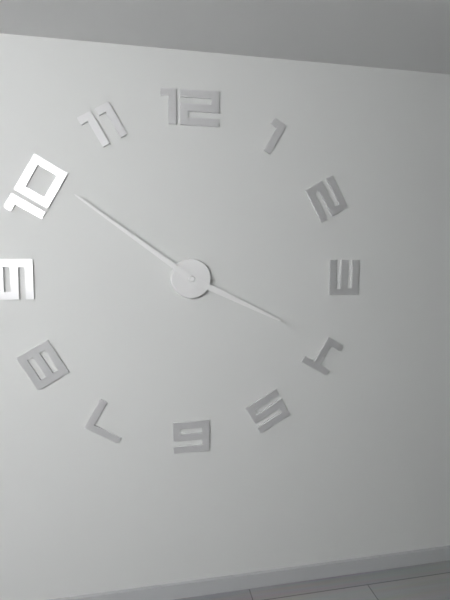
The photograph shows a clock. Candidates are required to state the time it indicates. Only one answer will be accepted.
3:51
